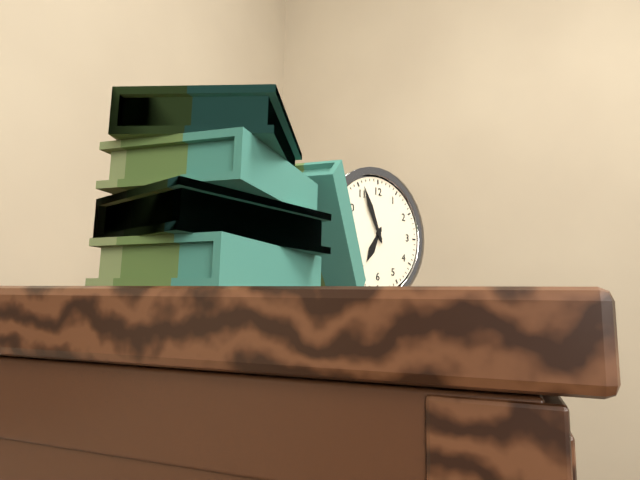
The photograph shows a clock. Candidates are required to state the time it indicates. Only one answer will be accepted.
6:56
